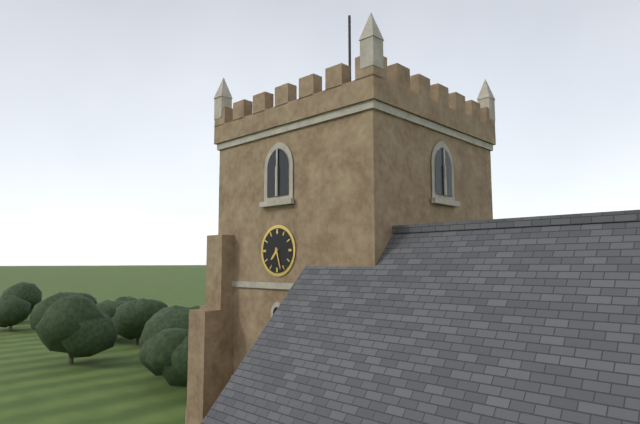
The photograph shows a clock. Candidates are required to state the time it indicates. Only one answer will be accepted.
7:27
